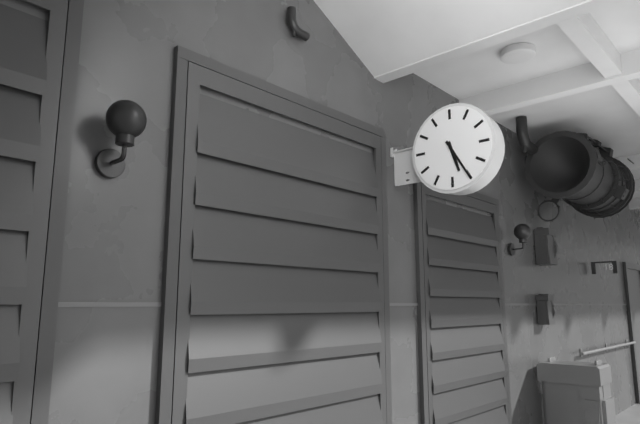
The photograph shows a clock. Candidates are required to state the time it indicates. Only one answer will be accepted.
5:25
